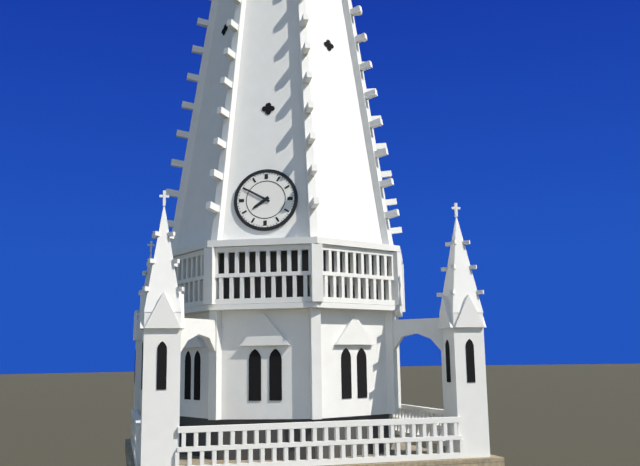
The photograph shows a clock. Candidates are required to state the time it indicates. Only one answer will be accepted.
7:50
